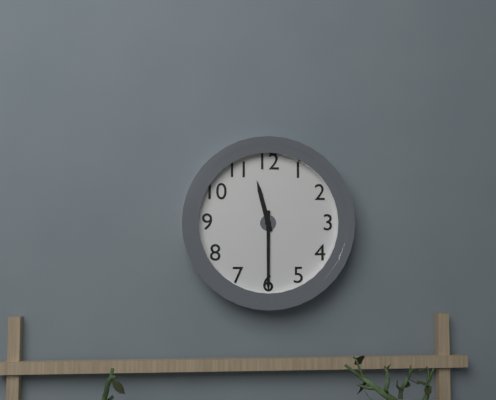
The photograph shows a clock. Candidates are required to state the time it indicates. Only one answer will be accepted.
11:30
